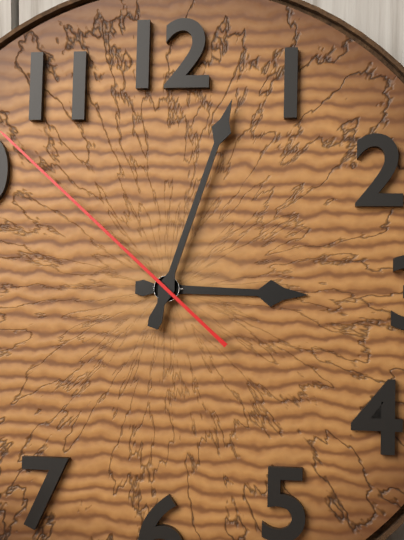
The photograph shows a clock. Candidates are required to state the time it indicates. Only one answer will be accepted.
3:03
